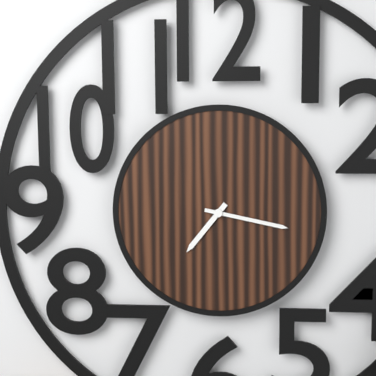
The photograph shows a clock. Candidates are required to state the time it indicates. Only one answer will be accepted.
7:17
